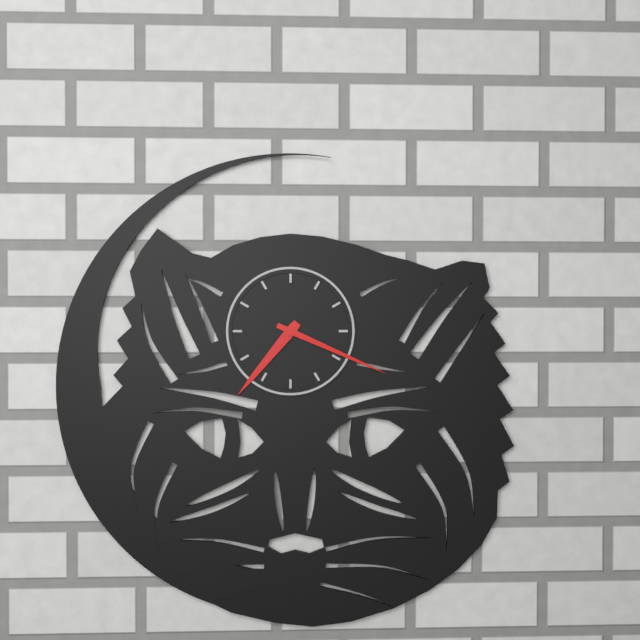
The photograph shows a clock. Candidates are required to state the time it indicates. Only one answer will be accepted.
7:19
